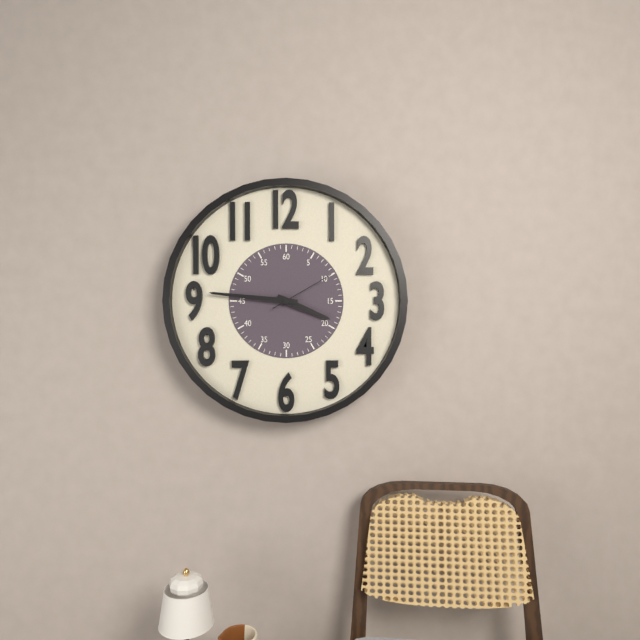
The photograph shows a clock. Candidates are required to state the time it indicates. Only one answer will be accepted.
3:46:10
